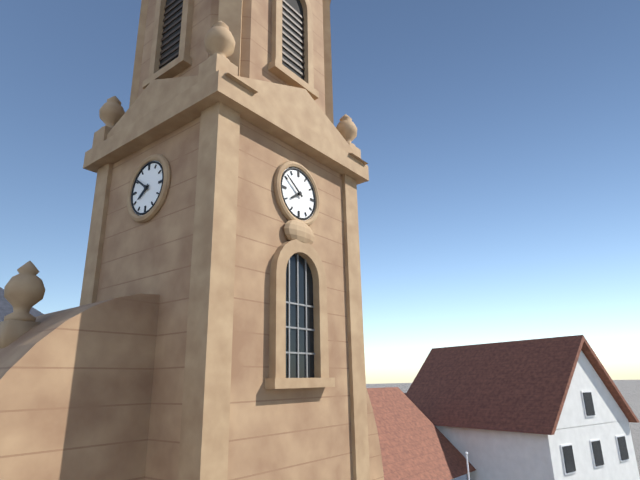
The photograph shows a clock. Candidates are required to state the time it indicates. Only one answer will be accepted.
7:51
